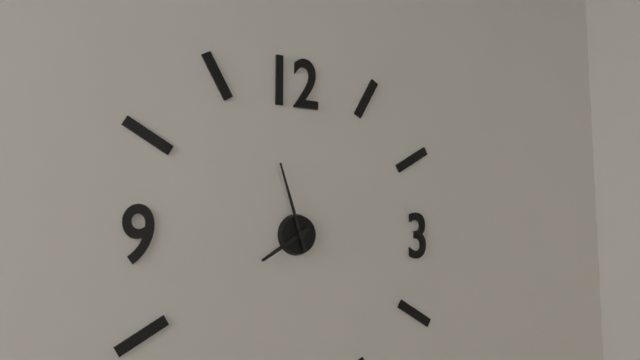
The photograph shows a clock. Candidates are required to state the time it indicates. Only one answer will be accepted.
7:57
